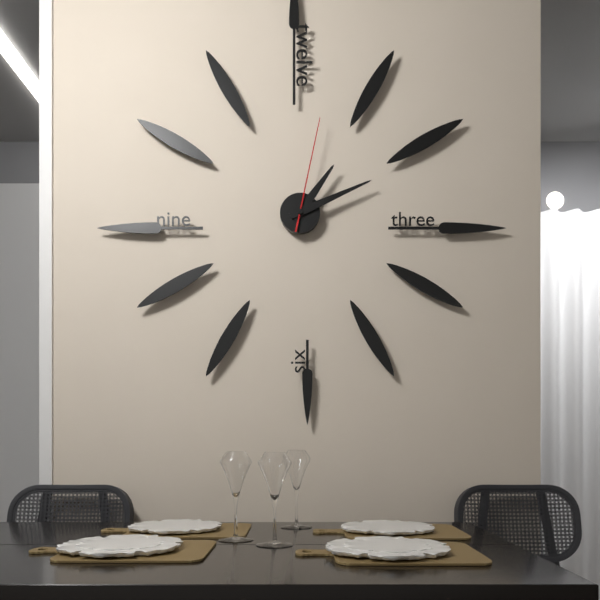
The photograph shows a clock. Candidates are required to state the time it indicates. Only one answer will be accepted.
1:11:02
